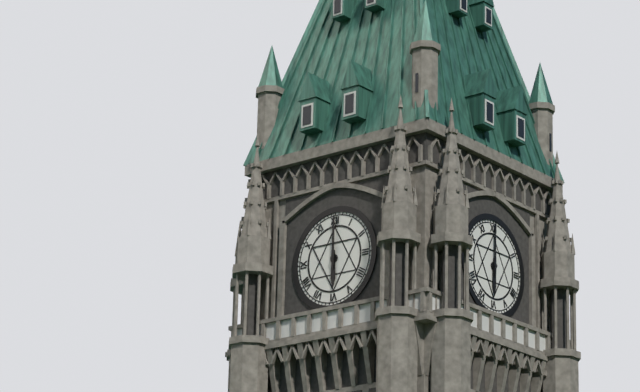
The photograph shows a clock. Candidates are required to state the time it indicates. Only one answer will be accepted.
6:00
